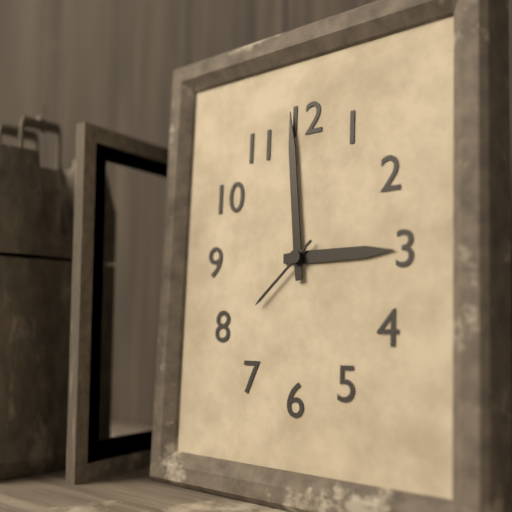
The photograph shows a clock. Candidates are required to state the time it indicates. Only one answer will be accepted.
2:59:38
